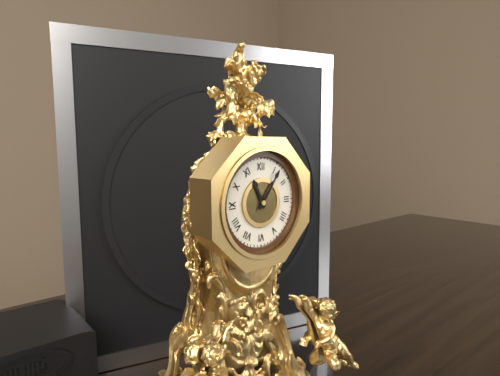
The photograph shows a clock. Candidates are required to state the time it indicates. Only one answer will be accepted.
11:06
